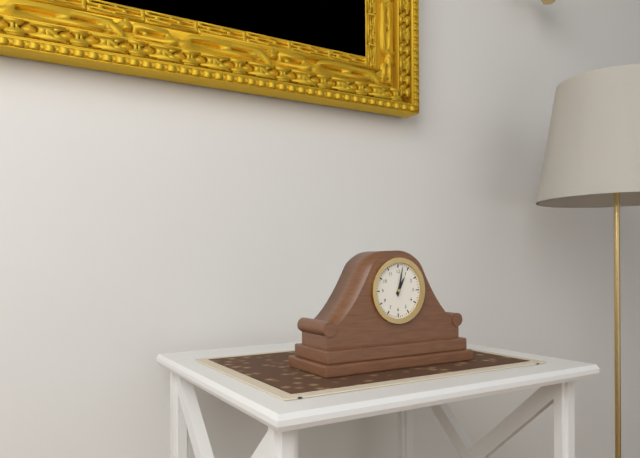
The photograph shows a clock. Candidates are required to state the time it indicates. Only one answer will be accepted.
1:02
